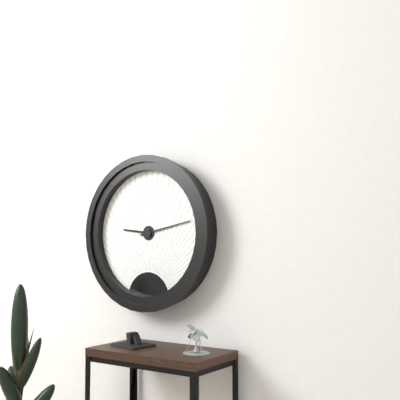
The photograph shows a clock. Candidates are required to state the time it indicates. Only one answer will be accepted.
9:13
